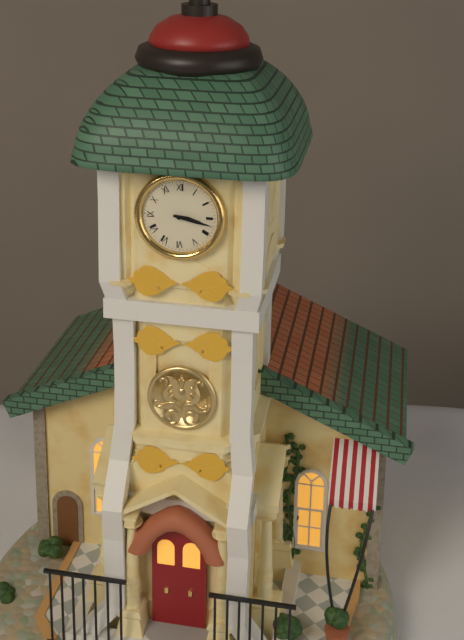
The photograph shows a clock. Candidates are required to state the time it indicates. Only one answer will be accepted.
3:17
